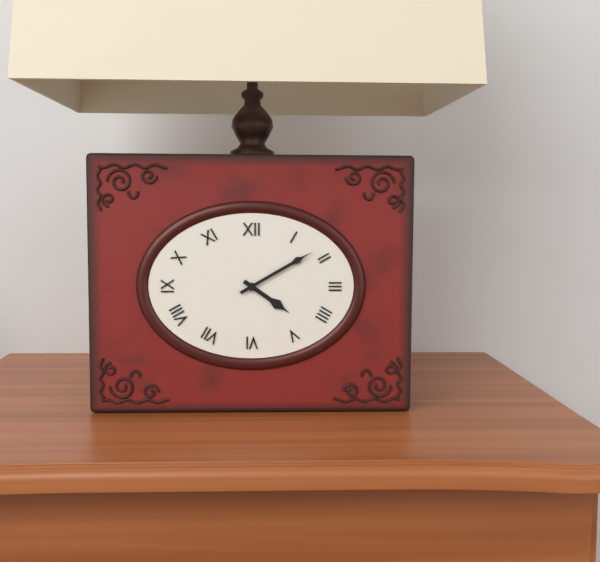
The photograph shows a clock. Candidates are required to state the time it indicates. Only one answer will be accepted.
4:10
